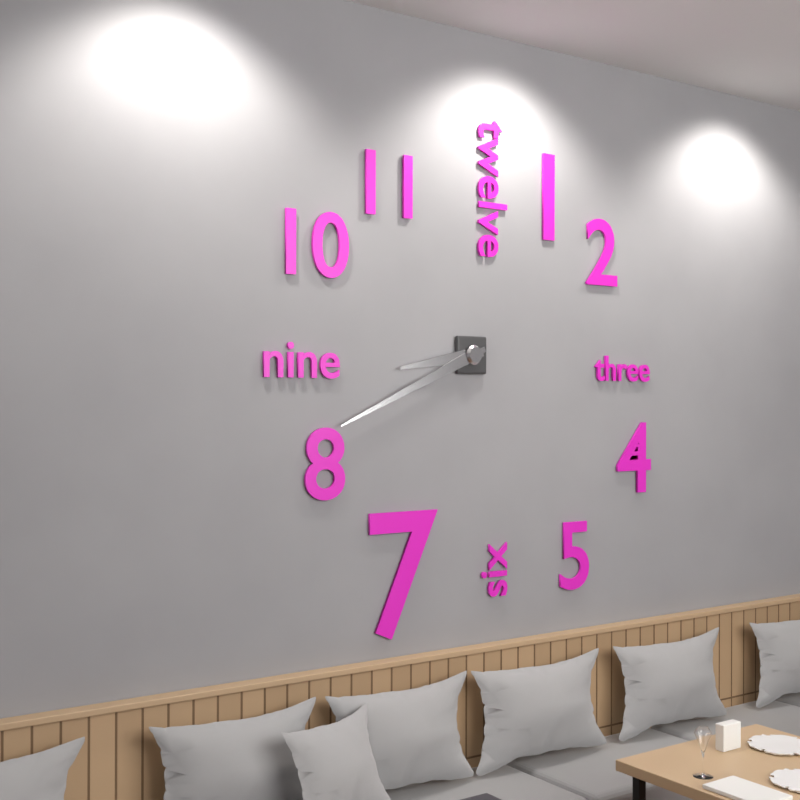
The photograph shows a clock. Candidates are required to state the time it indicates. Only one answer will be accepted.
8:41
